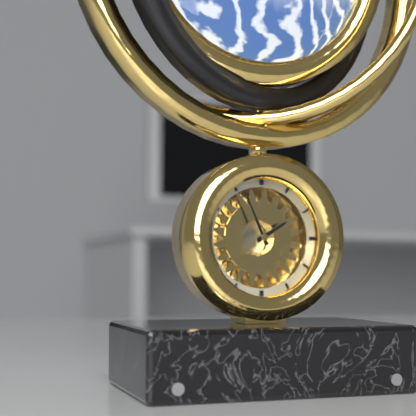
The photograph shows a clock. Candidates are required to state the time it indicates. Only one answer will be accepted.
1:56
